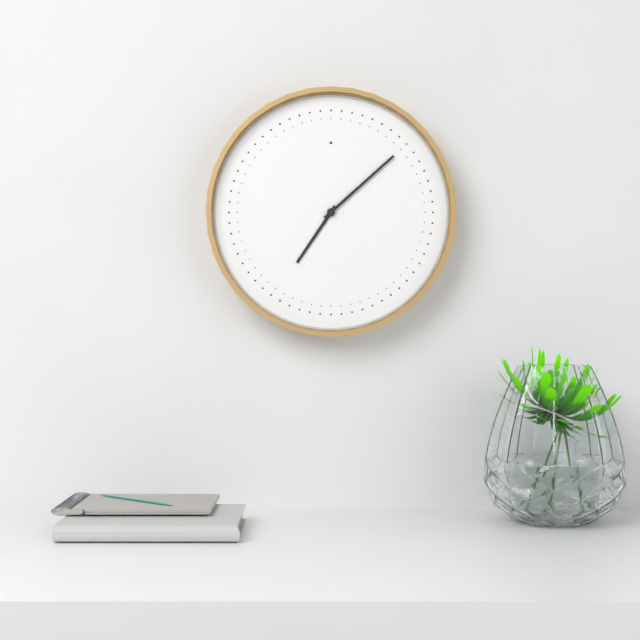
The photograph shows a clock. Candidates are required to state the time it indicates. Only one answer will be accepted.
7:08
